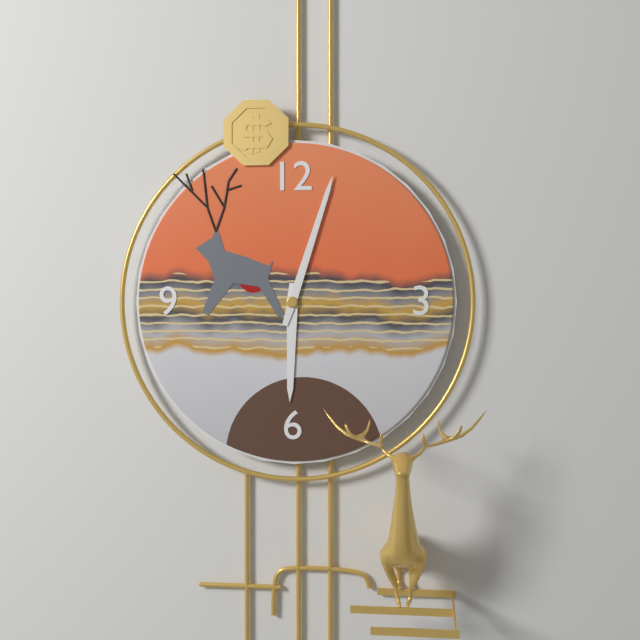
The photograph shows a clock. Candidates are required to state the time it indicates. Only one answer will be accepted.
6:03
